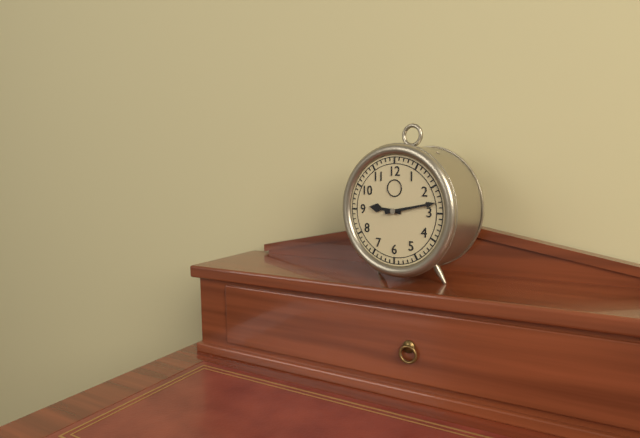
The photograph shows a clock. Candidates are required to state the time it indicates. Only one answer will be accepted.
9:13
